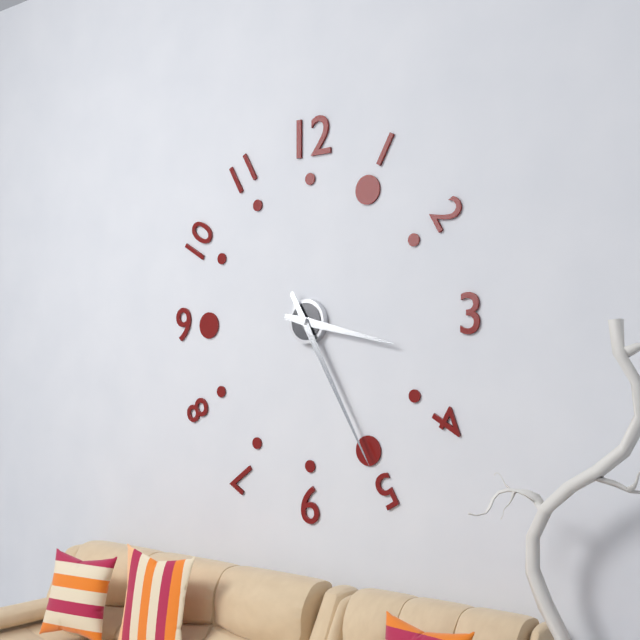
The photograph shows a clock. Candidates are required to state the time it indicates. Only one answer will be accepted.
3:25
